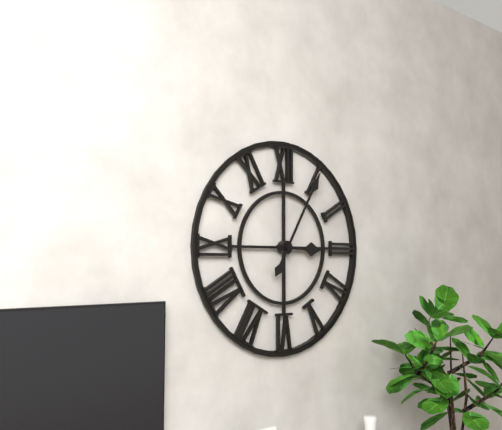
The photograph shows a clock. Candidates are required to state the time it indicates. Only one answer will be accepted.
3:05
